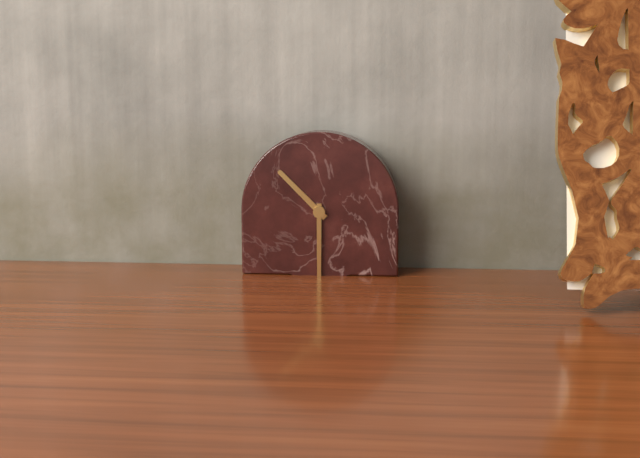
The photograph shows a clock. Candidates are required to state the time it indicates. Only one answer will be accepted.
10:30
